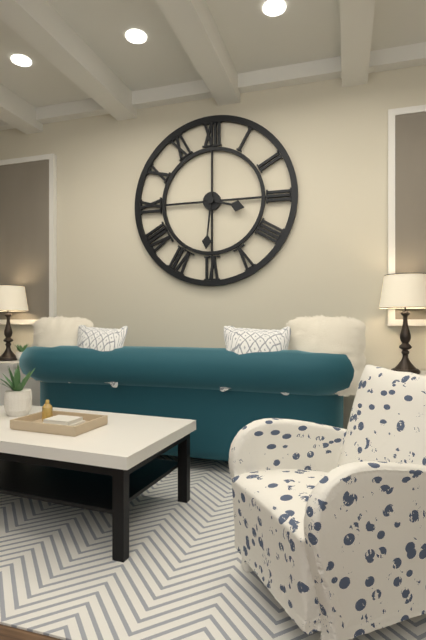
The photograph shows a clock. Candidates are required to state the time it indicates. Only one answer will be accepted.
3:31
